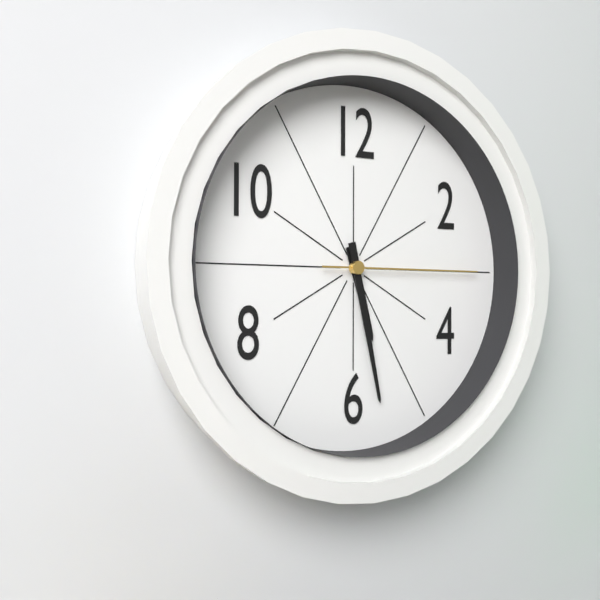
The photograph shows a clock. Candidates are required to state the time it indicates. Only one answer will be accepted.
5:28:15
